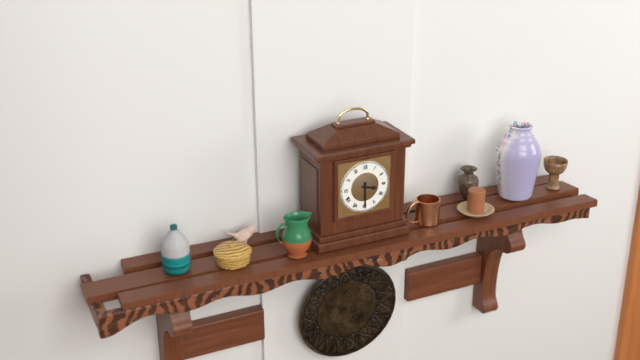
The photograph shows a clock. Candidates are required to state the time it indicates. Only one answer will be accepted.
3:30
